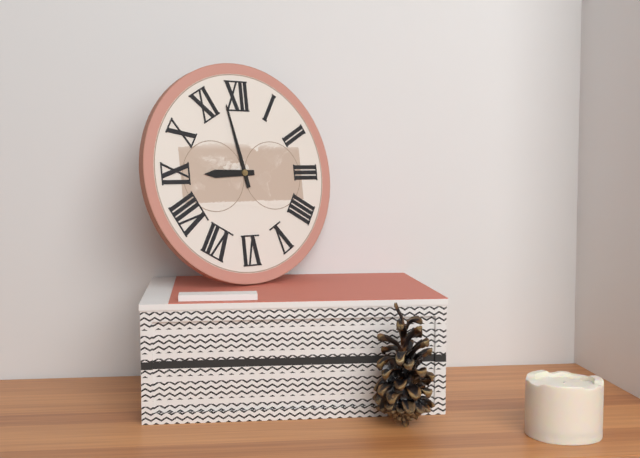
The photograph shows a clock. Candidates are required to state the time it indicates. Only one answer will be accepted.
8:58
